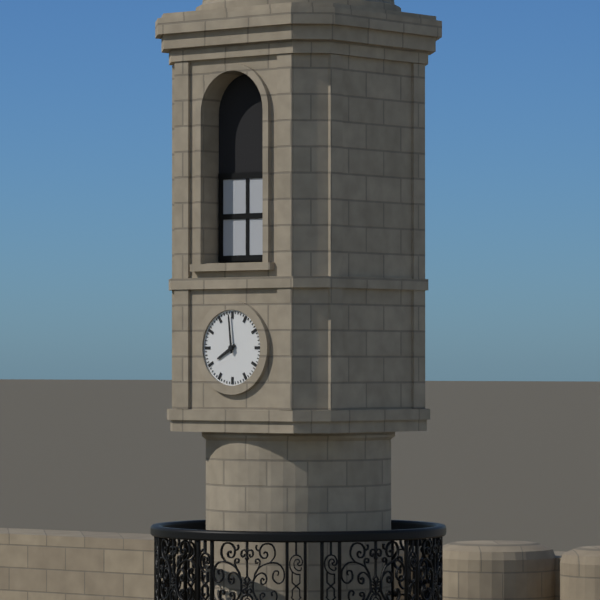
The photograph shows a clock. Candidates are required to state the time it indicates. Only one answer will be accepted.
7:59
